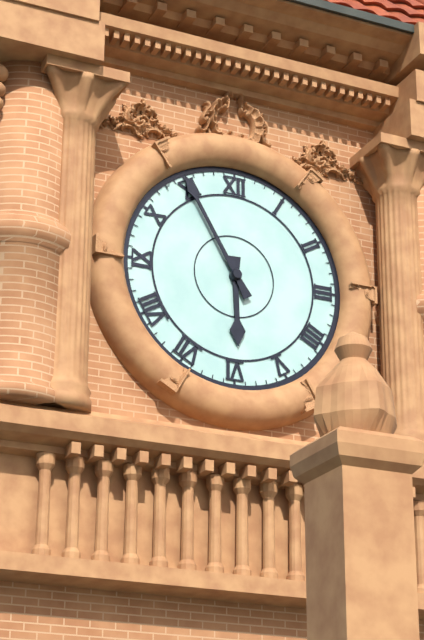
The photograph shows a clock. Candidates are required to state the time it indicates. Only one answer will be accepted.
5:55
